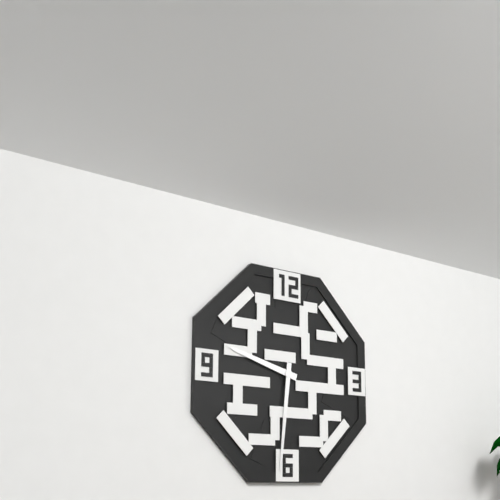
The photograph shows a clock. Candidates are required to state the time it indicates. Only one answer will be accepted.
9:31
